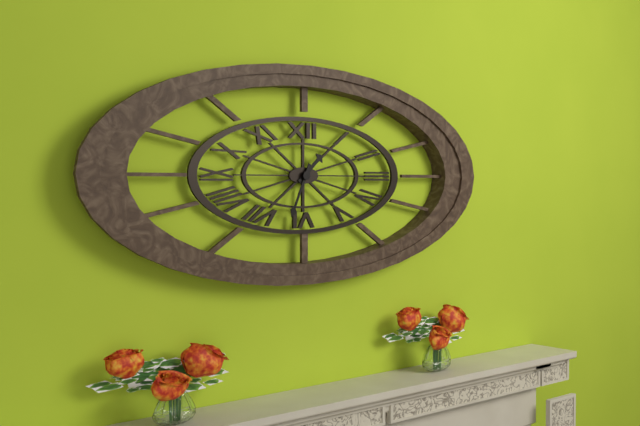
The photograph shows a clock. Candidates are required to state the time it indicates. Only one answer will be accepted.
1:34
